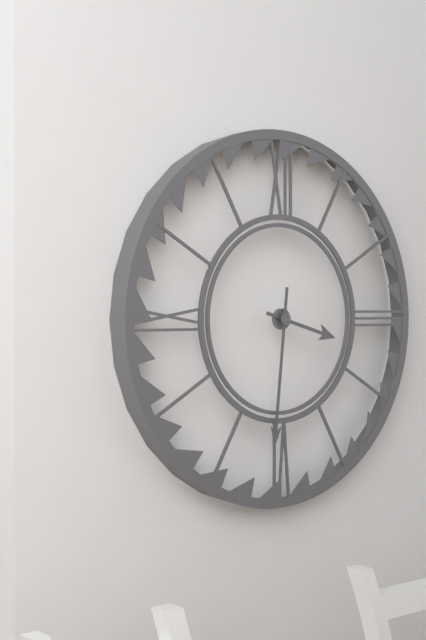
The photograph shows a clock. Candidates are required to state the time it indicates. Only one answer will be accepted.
3:31
